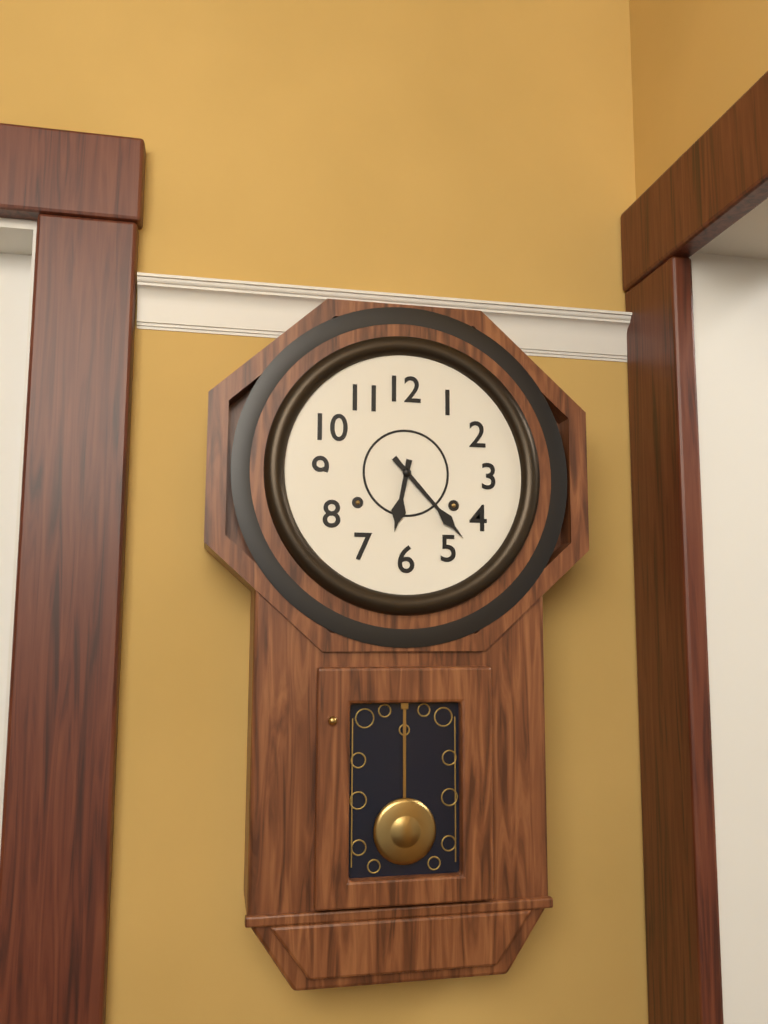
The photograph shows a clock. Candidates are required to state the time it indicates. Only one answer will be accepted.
6:23
